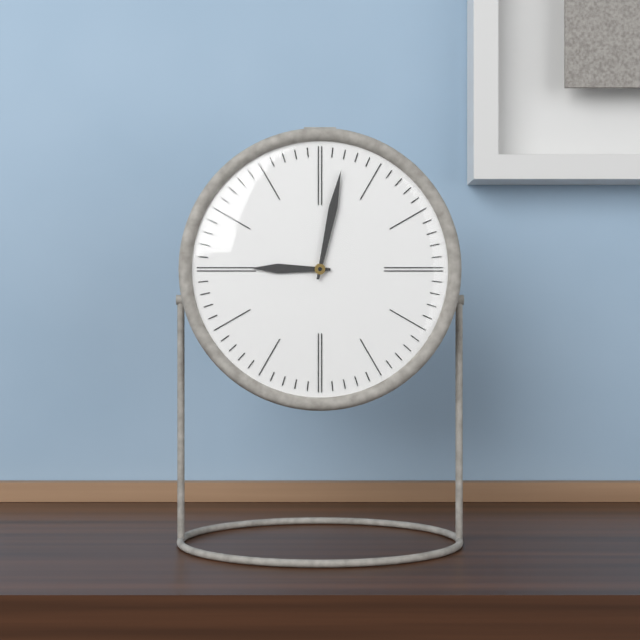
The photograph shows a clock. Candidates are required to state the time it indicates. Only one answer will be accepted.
9:02
